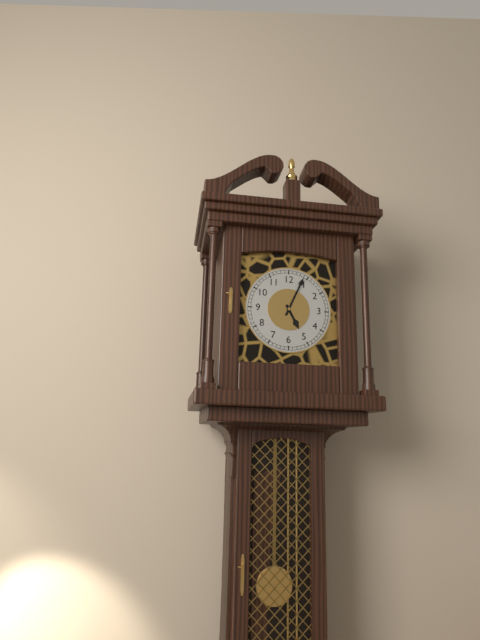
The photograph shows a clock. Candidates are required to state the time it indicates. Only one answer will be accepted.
5:04
